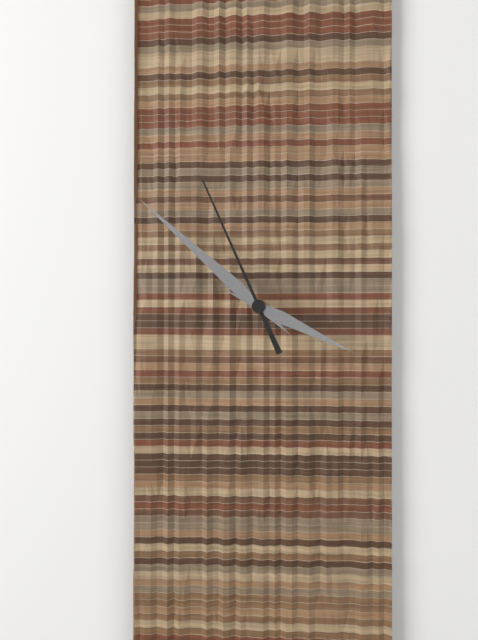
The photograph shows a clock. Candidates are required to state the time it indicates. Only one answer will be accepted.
3:52:56
